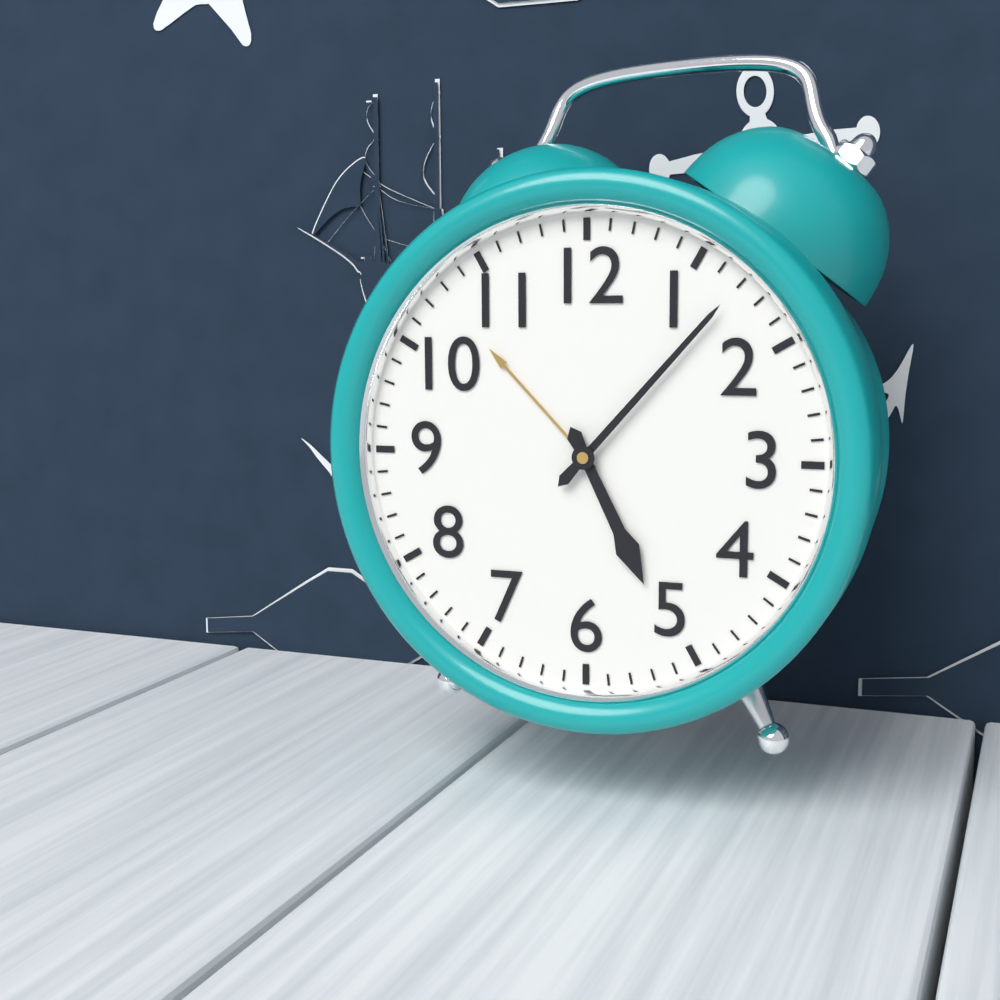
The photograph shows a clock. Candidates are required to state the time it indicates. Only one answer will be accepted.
5:07
